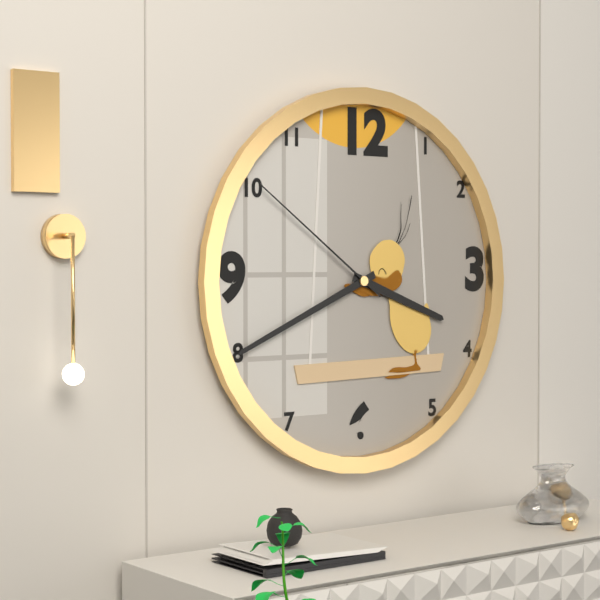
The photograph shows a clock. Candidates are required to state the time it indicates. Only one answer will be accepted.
3:41:51
